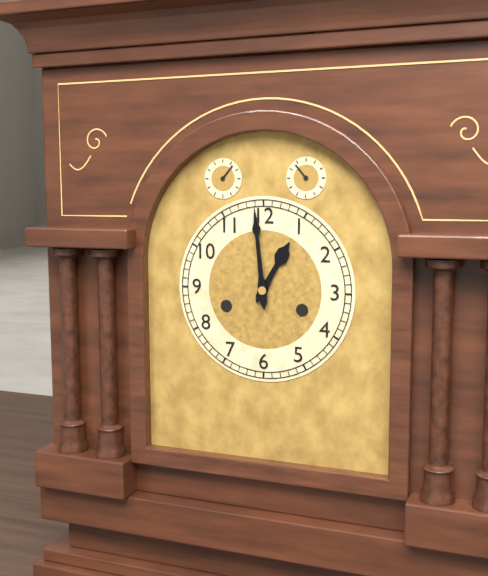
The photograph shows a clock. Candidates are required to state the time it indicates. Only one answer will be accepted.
12:59
